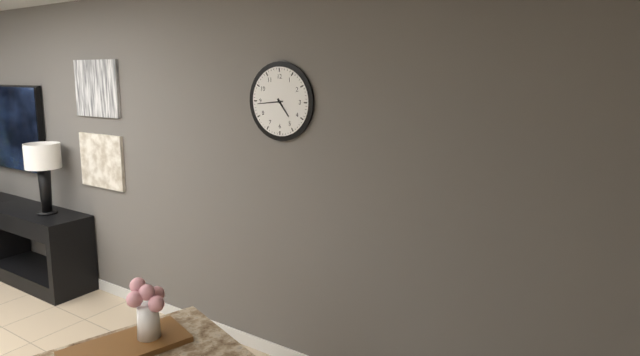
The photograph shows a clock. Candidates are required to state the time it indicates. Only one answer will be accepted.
4:44
